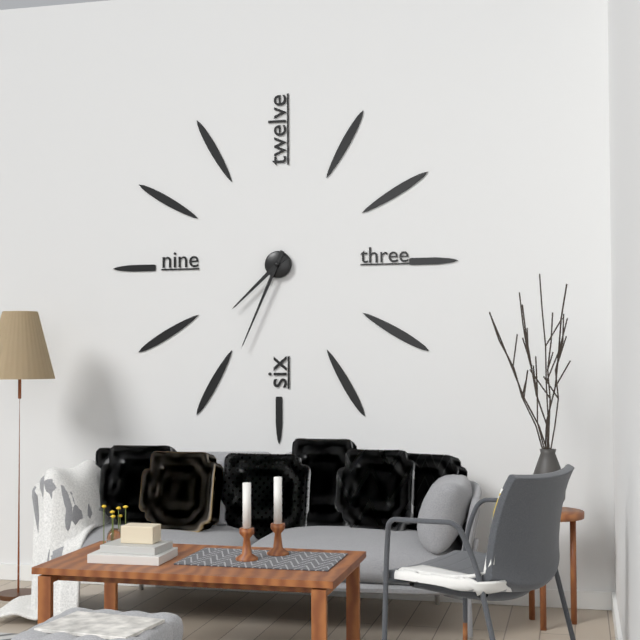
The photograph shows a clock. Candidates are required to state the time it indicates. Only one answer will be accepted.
7:34
